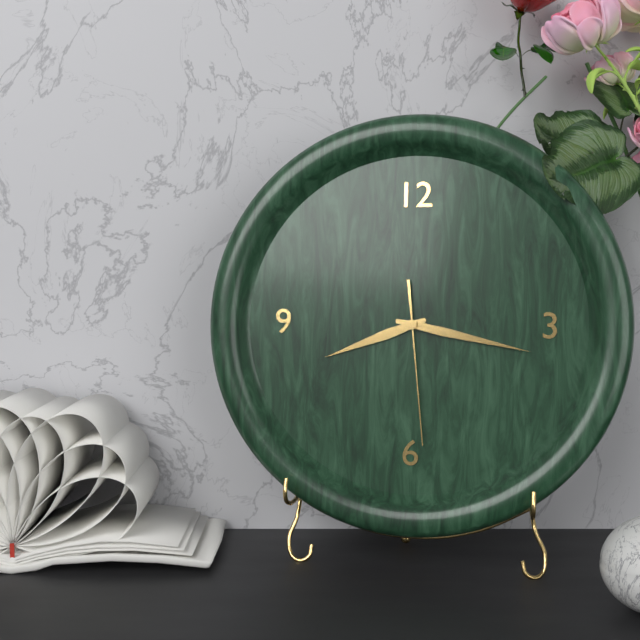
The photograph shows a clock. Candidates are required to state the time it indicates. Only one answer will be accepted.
8:17:29
